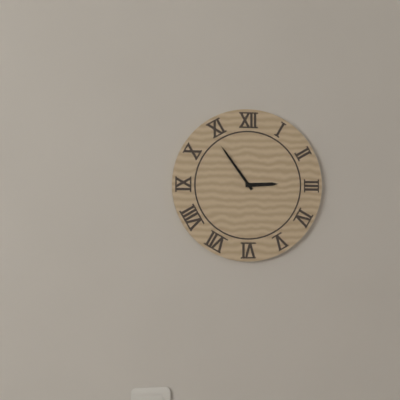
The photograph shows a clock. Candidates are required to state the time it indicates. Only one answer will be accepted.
2:54
